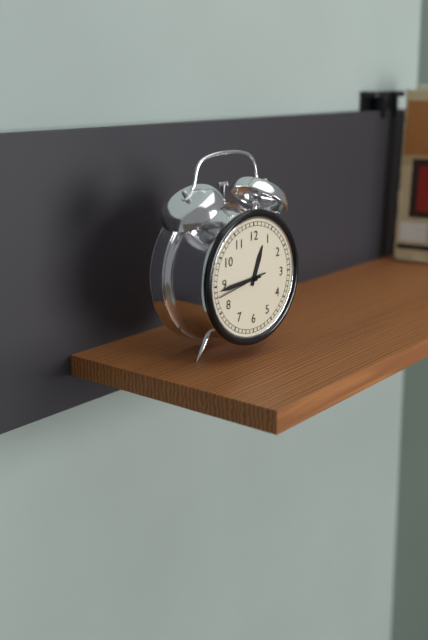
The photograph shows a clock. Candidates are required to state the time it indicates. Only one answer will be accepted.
12:44:43
